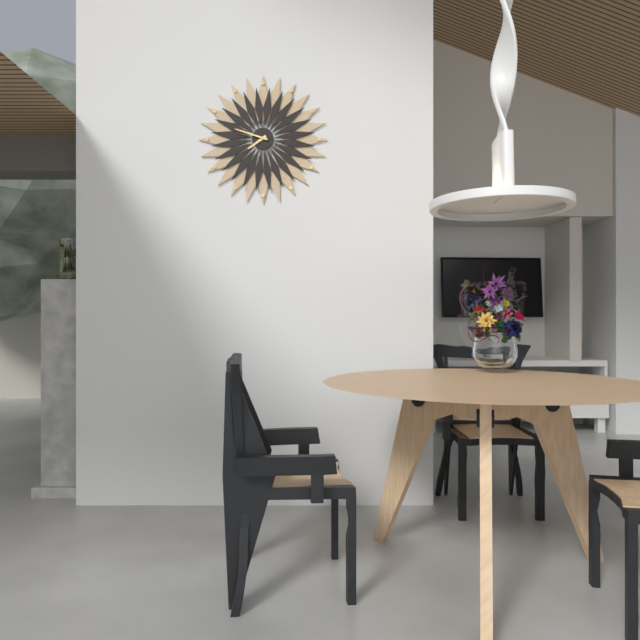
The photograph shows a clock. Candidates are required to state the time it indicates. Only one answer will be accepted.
7:48
